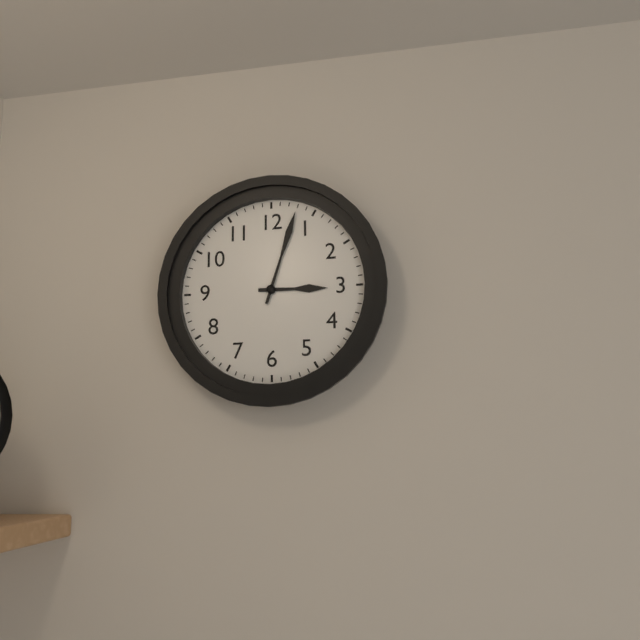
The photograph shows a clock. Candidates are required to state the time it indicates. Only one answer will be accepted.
3:03
